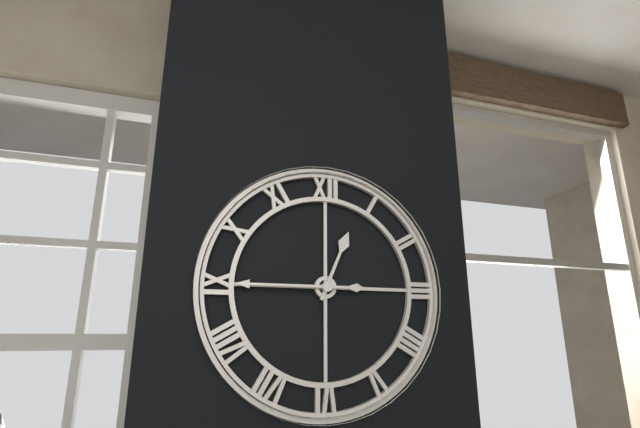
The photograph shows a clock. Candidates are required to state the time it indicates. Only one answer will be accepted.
12:45
